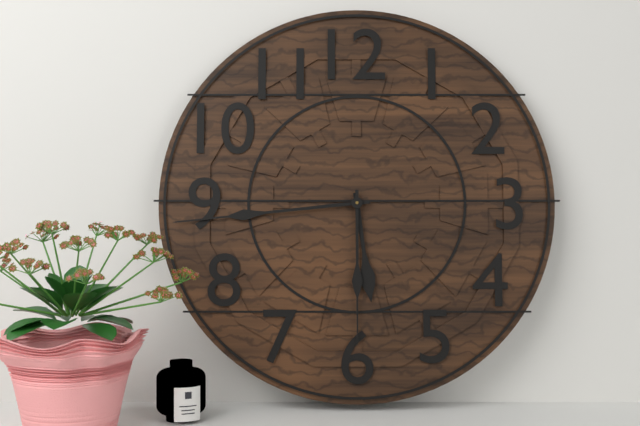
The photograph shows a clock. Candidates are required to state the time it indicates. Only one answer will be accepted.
5:44:30
